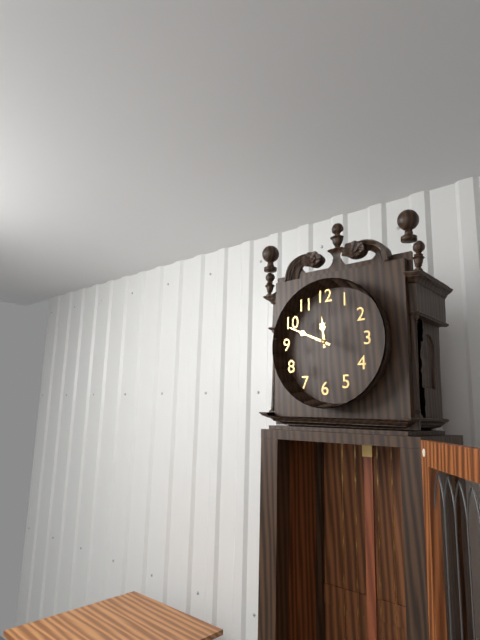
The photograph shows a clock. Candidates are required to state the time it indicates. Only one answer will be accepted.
11:49
